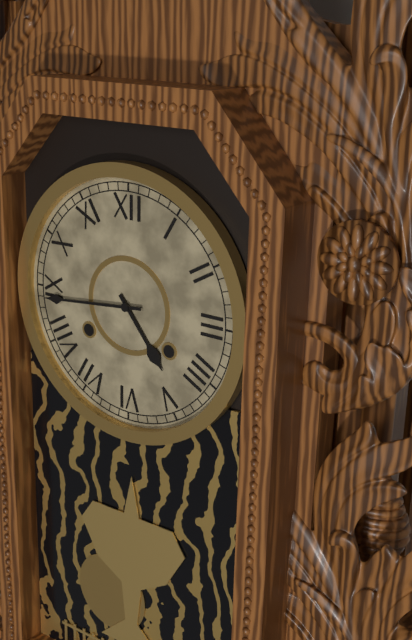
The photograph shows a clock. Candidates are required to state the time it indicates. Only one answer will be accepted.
4:44
